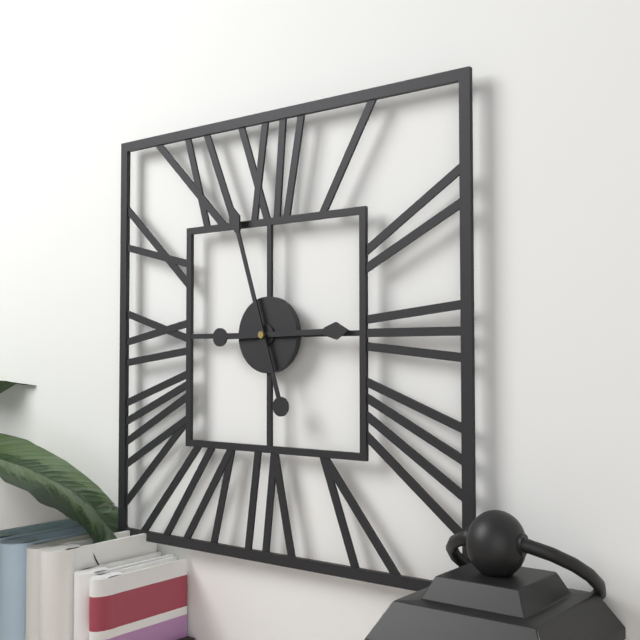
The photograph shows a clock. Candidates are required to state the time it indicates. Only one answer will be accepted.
2:57
